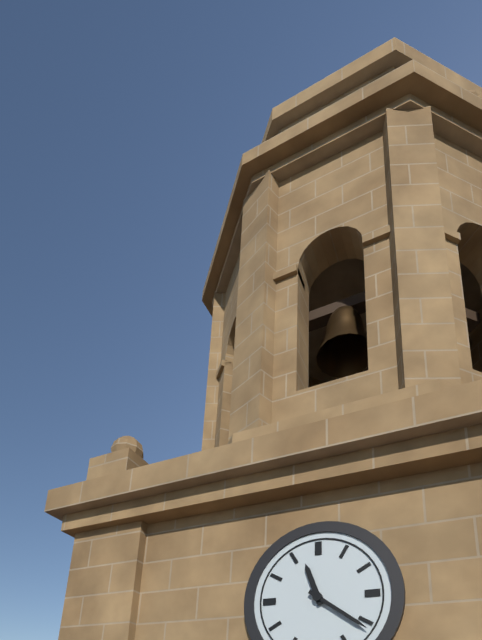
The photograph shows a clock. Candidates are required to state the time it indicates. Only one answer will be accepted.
11:21
